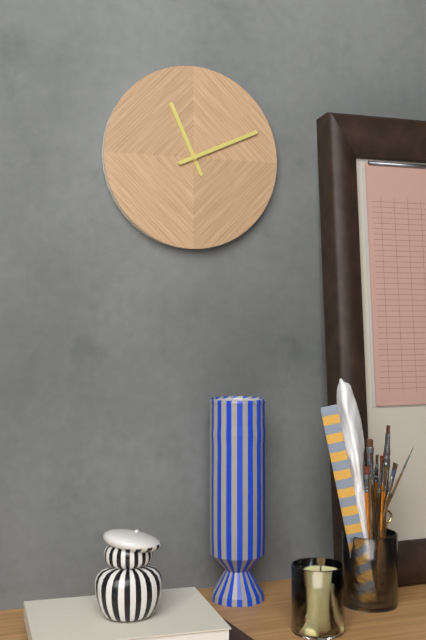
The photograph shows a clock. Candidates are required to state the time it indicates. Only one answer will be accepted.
11:11
